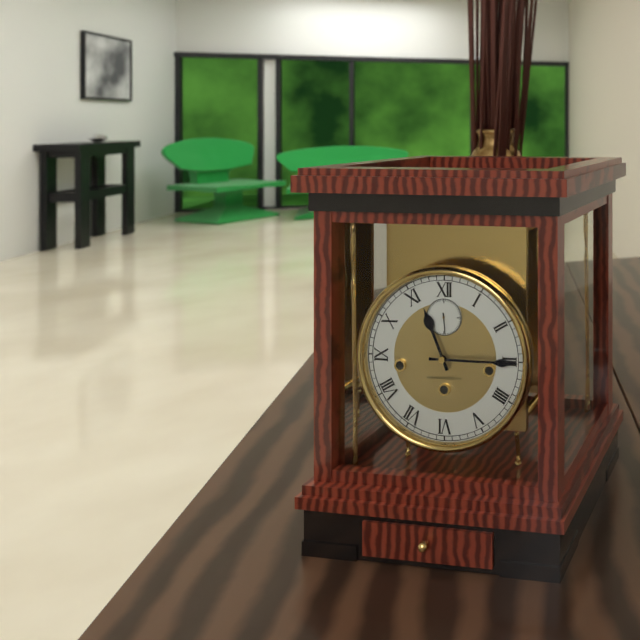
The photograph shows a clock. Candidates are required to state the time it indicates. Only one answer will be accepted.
11:15
